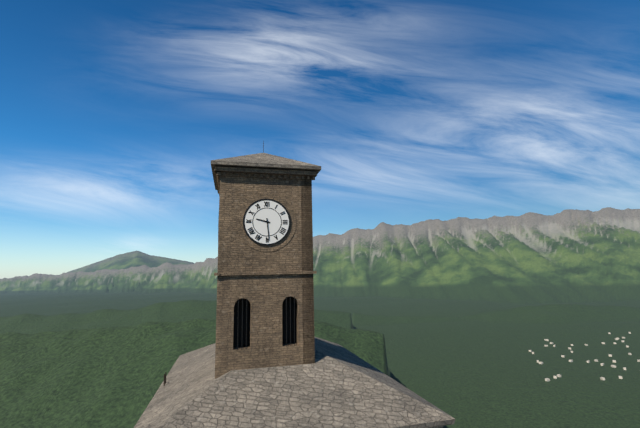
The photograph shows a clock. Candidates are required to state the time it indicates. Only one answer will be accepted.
9:29
